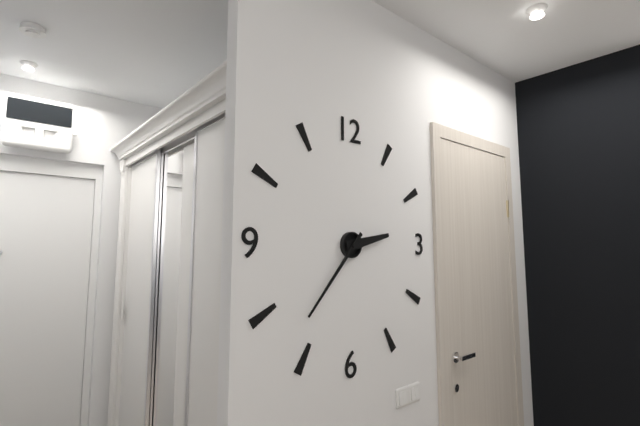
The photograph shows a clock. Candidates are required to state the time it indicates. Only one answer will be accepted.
2:37
